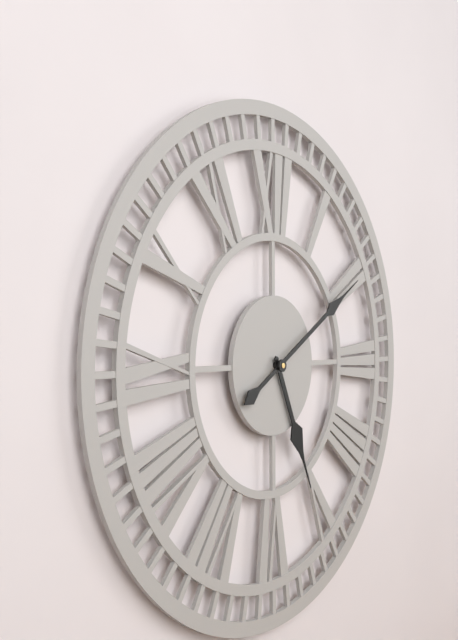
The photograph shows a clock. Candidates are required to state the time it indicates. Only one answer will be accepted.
5:10
